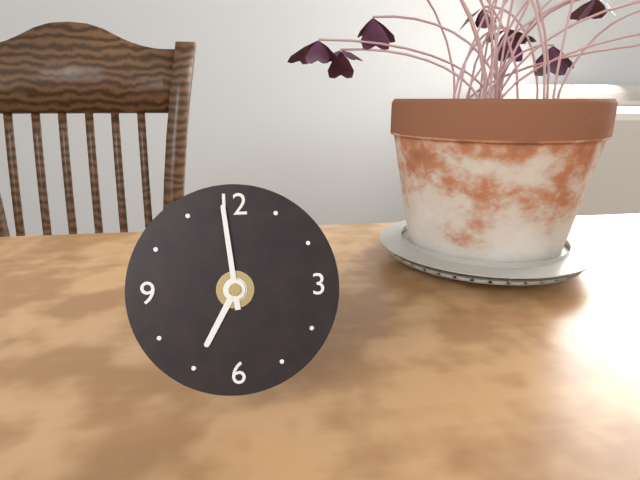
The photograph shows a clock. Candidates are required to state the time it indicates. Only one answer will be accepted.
6:59
